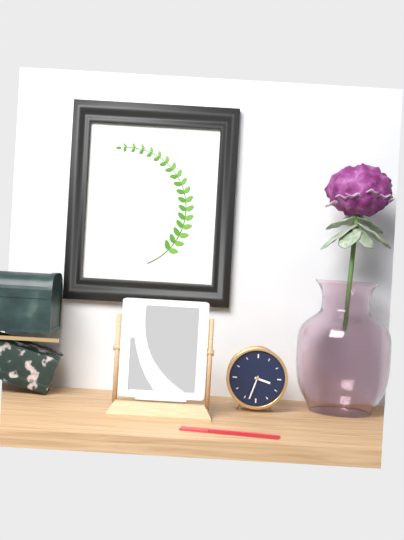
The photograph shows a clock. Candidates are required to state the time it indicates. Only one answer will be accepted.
3:33
